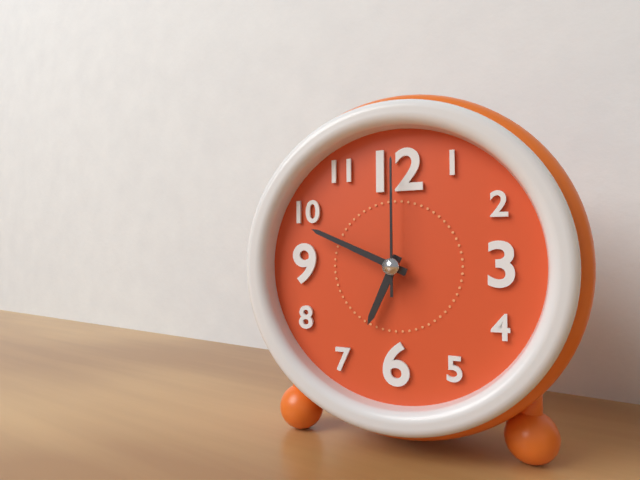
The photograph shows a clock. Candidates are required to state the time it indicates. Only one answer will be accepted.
6:49:00
